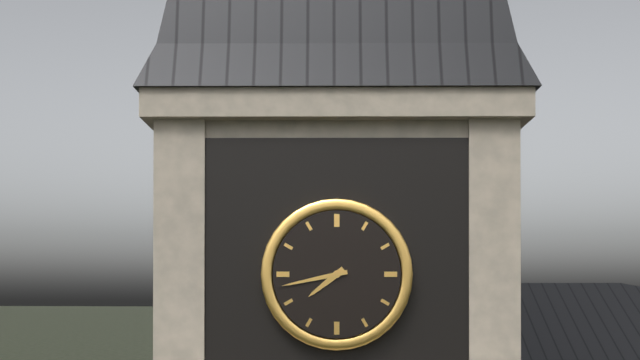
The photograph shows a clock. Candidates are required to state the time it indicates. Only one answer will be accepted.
7:43
